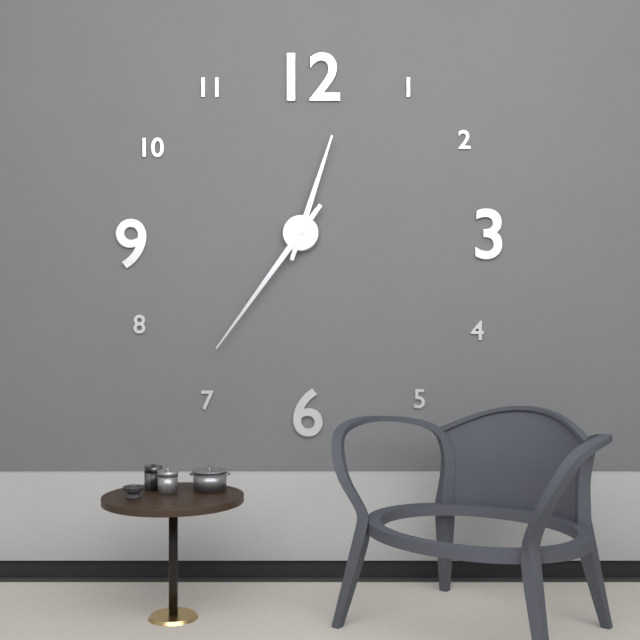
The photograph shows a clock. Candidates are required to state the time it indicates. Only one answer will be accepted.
12:36
